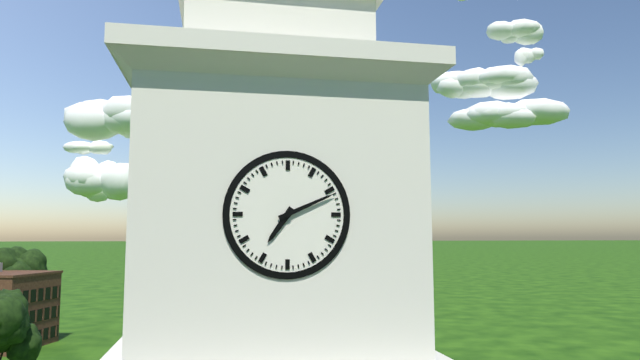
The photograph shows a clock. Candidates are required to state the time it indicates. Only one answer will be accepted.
7:11
